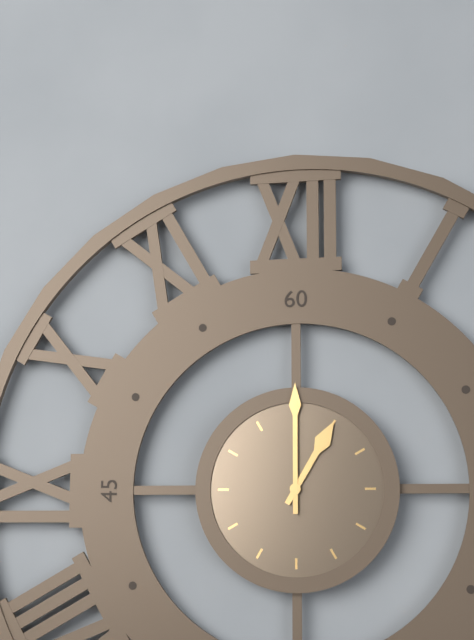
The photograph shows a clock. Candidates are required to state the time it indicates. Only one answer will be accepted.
1:00
